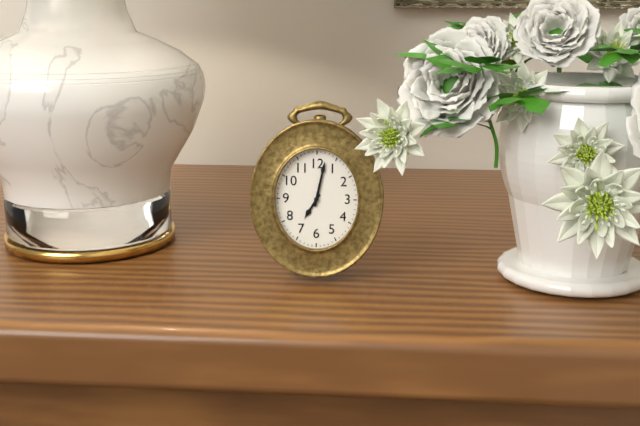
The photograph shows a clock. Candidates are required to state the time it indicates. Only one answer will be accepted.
7:02
